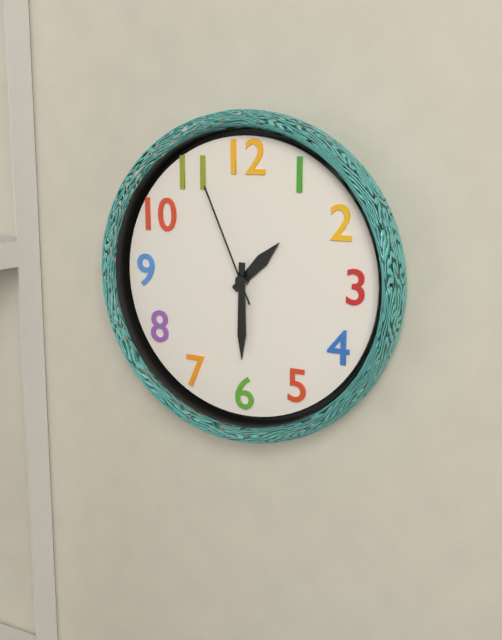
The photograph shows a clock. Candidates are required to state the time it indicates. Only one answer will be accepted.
1:30:56
